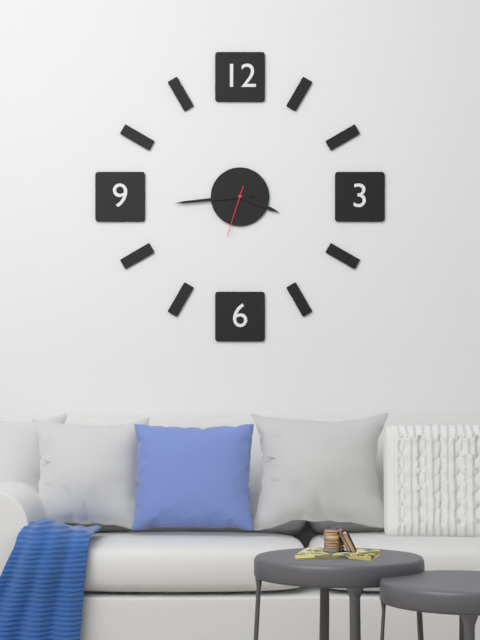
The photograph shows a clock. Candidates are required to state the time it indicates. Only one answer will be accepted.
3:44:33
